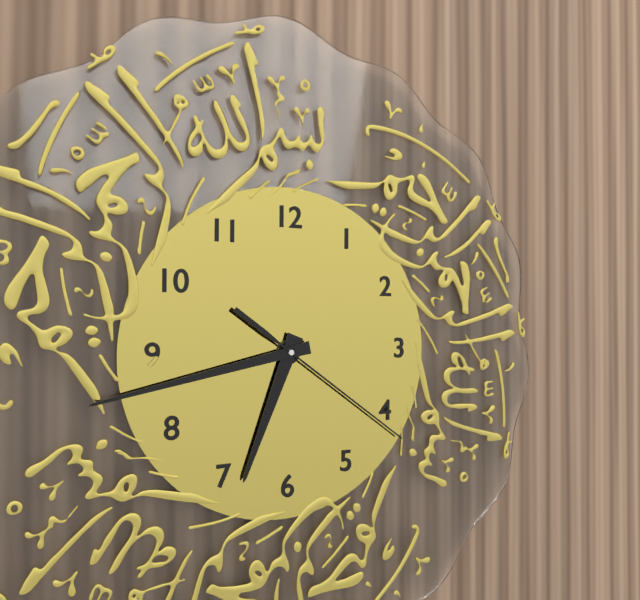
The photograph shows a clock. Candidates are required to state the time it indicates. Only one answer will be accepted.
6:43:21
